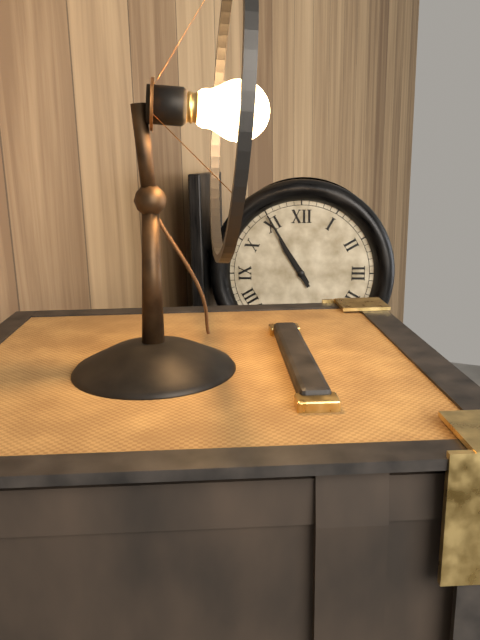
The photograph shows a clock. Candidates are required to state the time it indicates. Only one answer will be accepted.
10:55
